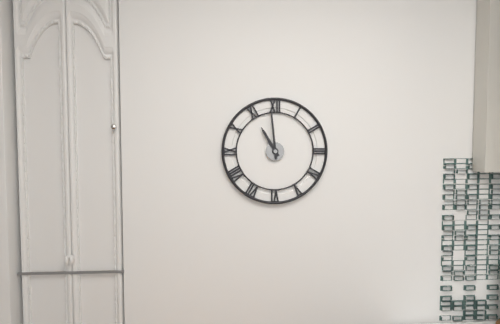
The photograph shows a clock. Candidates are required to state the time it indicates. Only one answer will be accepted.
10:59
